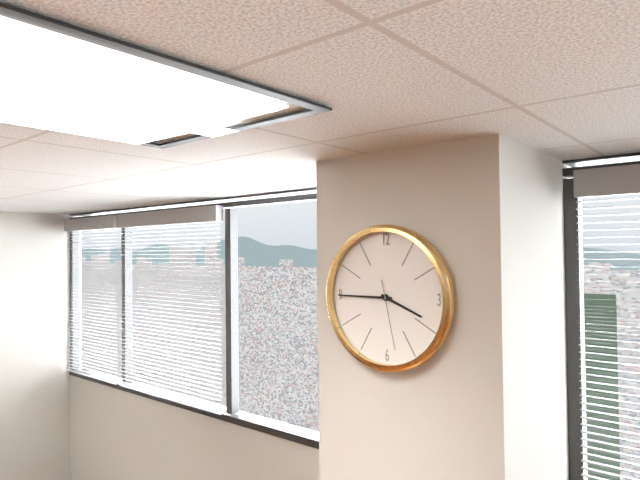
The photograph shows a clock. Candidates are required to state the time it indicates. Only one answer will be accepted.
3:45:28
